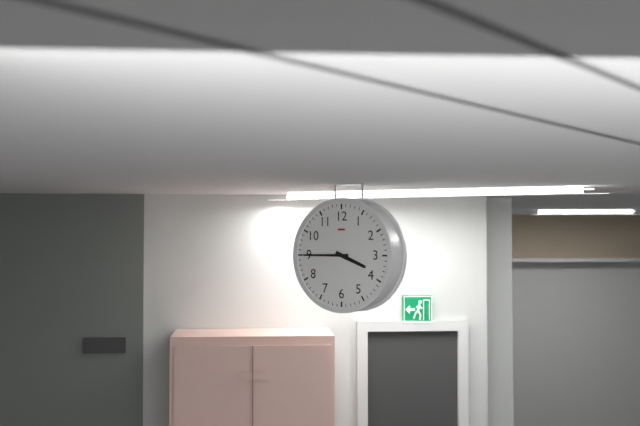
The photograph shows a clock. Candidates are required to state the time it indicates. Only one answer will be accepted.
3:45
